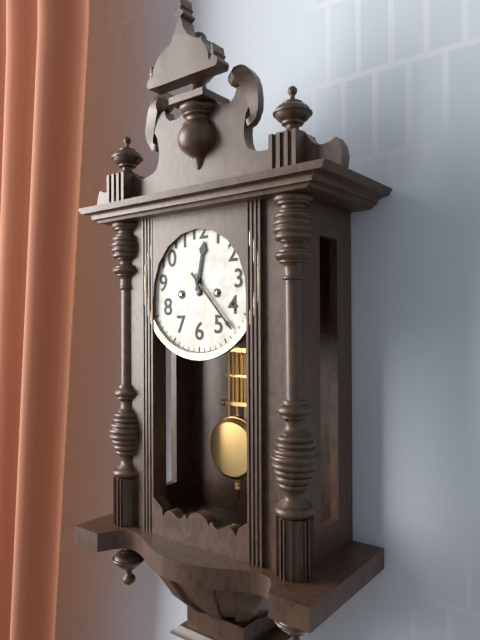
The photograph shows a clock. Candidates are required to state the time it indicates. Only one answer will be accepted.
12:23
